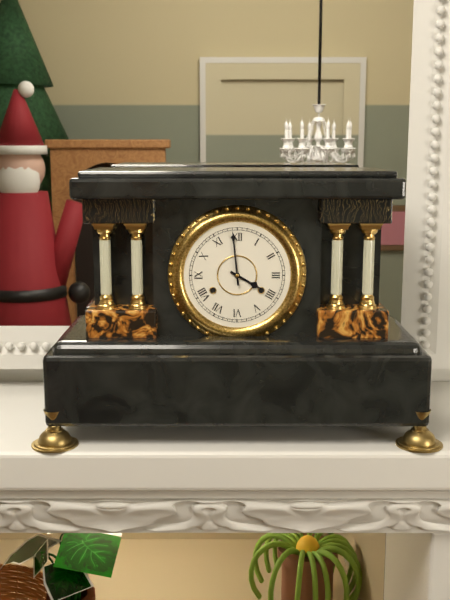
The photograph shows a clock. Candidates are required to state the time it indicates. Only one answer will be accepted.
3:59
